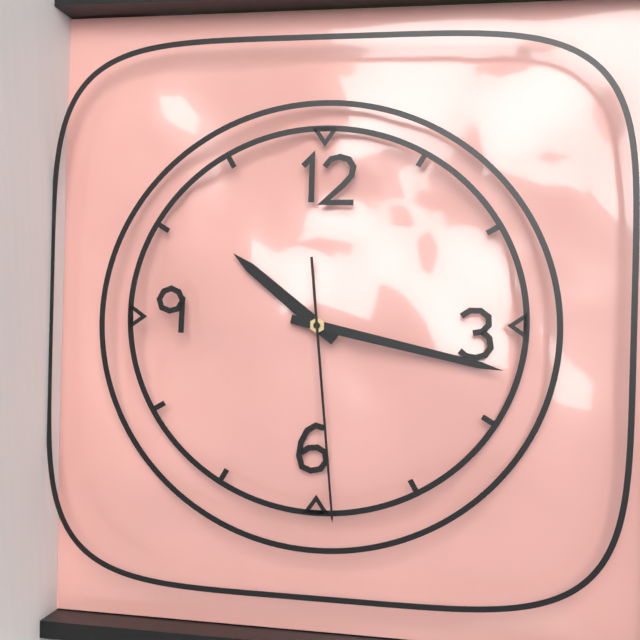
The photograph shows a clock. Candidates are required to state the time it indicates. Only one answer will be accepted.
10:17:29
